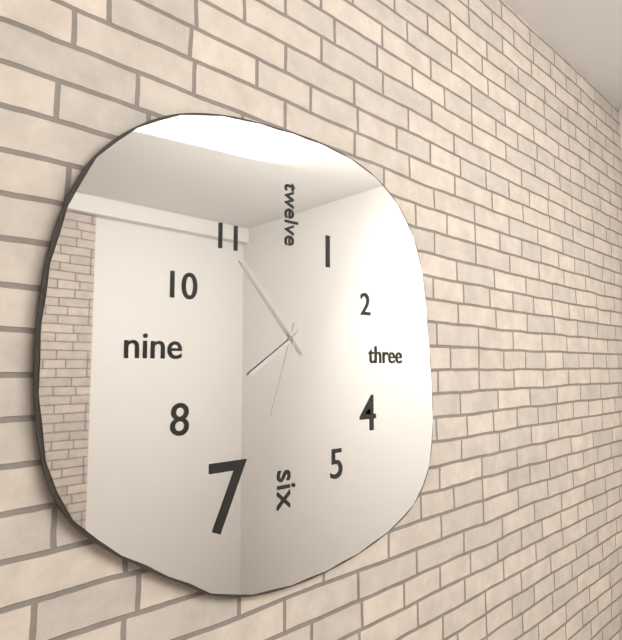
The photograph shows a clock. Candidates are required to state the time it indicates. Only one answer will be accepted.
7:53:33
